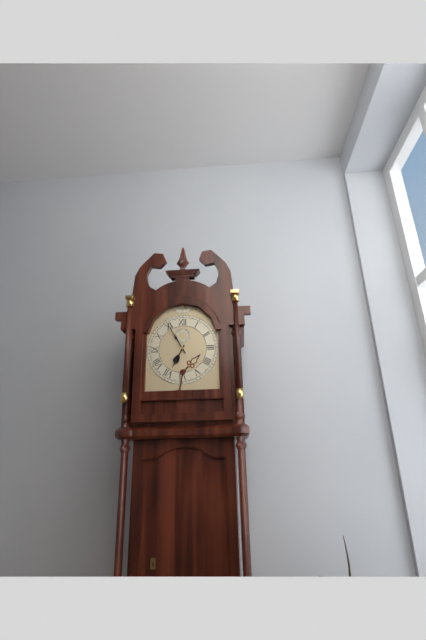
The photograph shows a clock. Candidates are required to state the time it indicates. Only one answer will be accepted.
6:55
